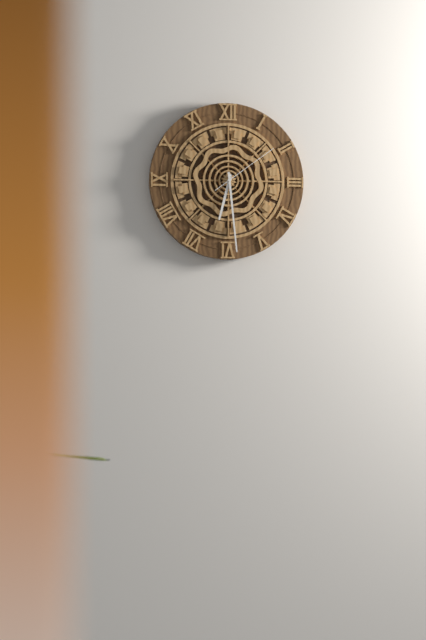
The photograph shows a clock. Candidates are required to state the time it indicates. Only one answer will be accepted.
6:29:09
